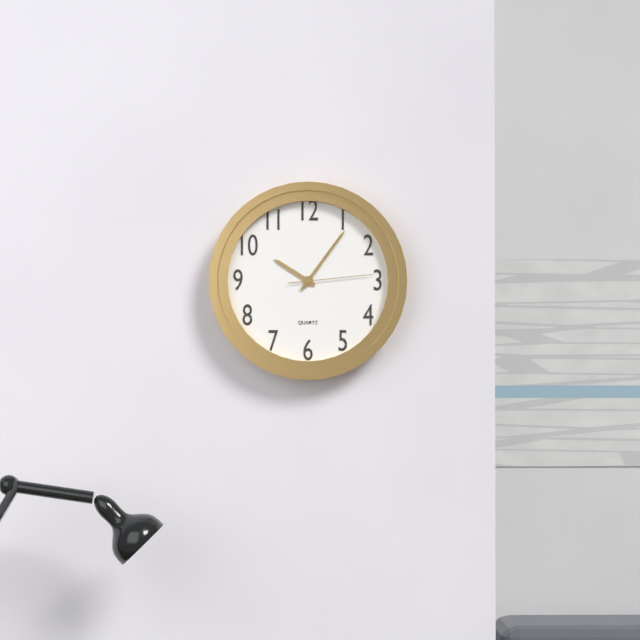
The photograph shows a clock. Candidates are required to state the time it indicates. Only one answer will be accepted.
10:06:14
